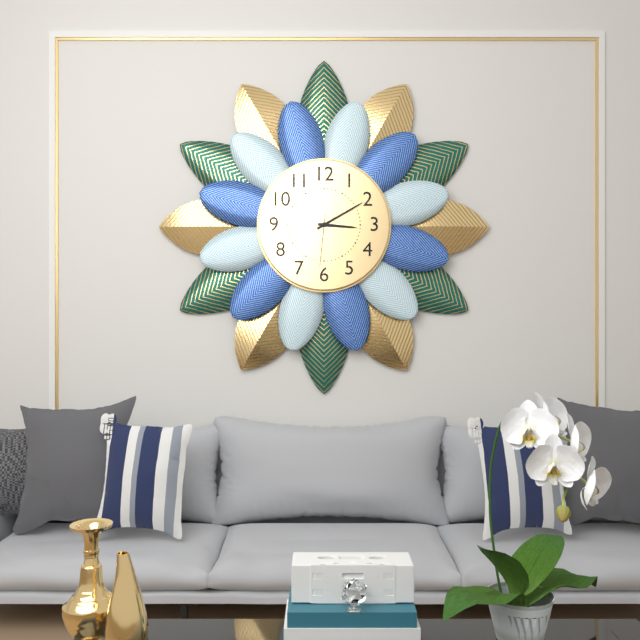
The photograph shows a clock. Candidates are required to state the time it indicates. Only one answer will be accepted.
3:10:31
